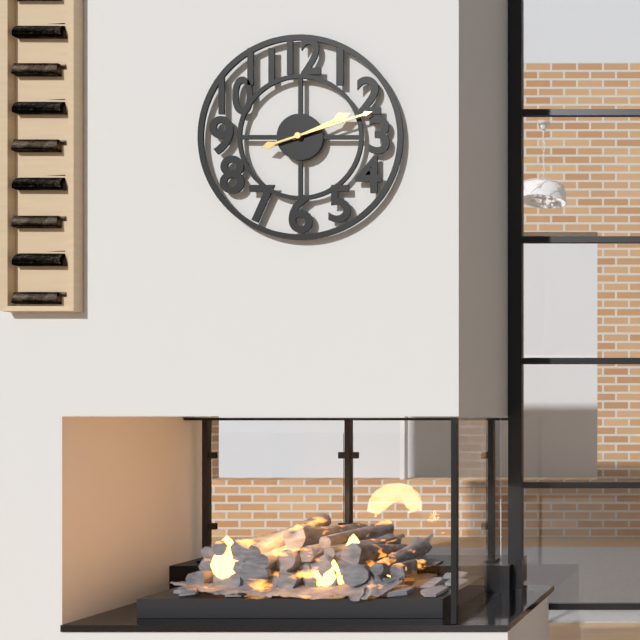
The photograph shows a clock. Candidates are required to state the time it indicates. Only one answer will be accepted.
2:12
